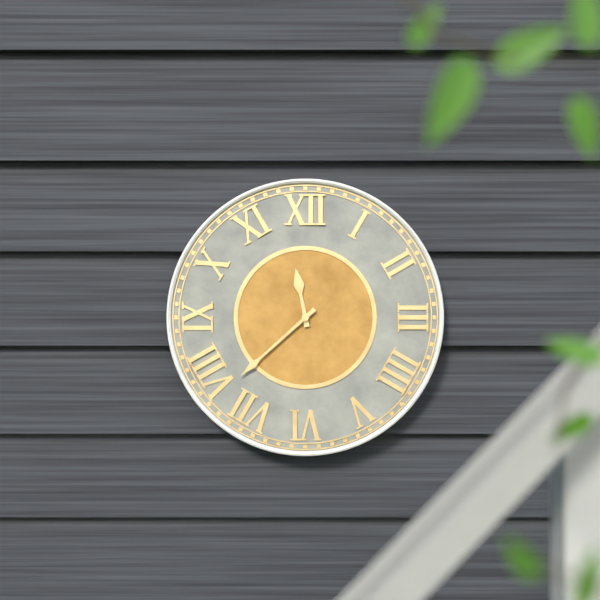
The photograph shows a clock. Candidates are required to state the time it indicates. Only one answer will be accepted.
11:38
